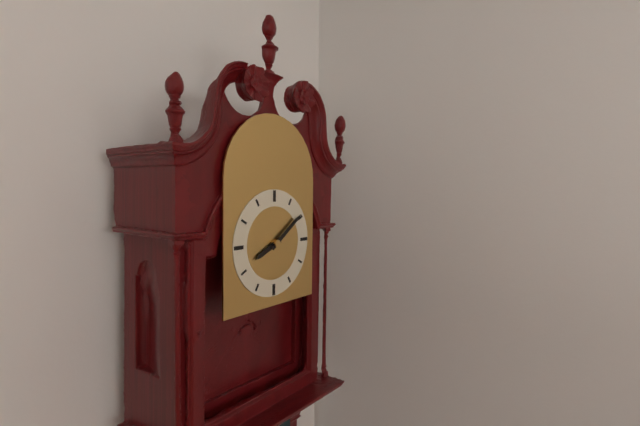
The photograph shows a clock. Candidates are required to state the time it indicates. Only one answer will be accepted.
8:09
